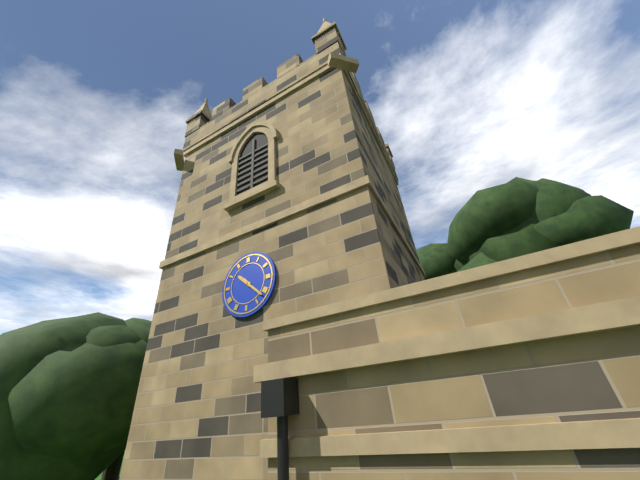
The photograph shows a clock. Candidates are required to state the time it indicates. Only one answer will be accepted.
10:22
